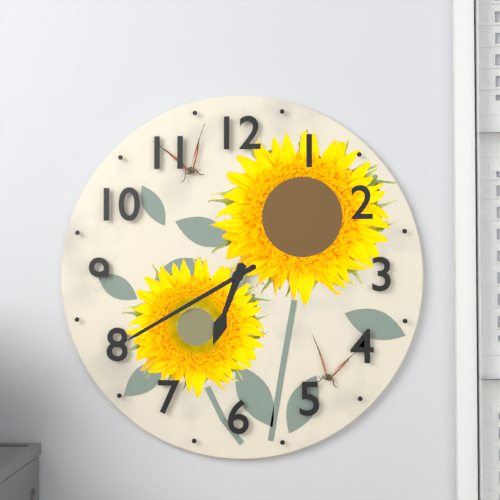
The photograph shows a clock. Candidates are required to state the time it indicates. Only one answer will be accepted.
6:40
